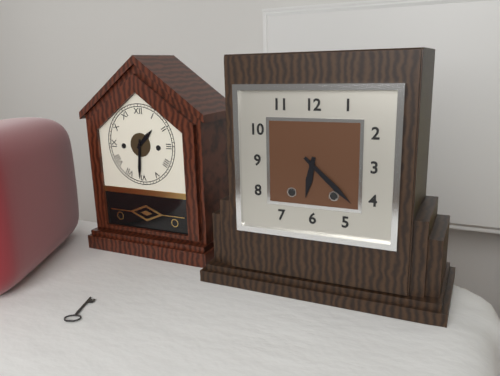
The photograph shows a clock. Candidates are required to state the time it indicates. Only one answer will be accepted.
6:22
